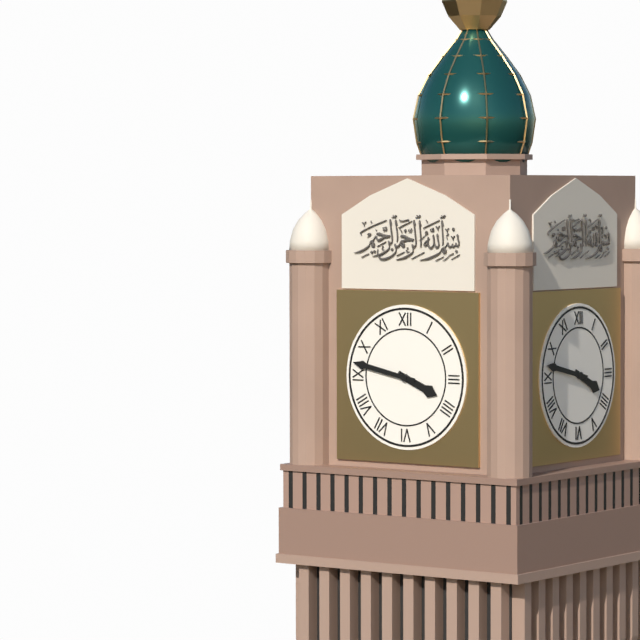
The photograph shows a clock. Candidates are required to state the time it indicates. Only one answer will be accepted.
3:47
